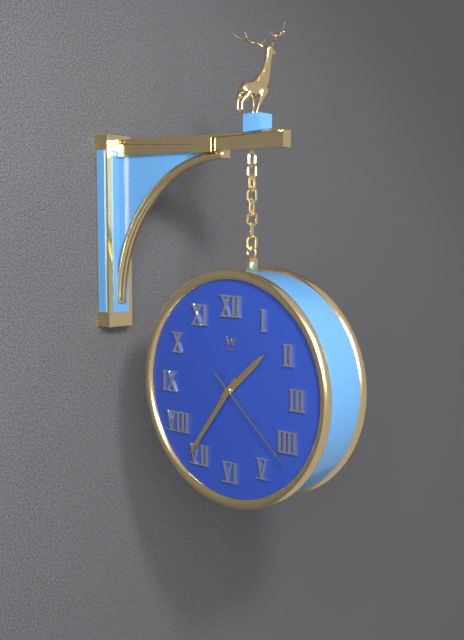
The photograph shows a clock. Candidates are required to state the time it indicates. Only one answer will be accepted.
1:36:22
